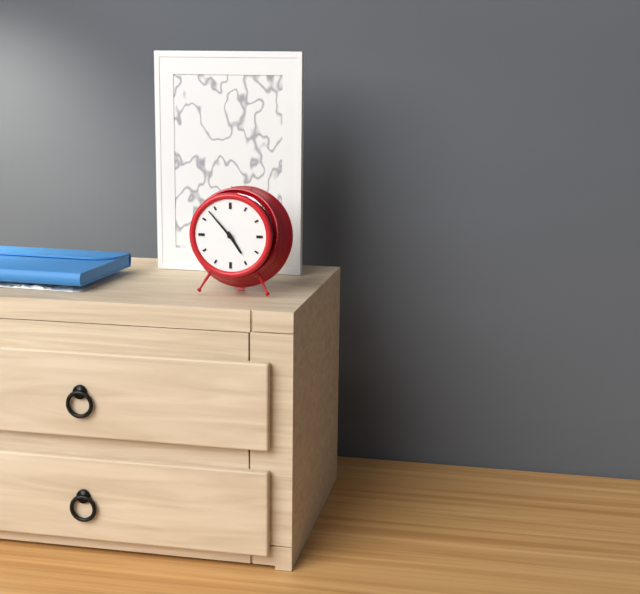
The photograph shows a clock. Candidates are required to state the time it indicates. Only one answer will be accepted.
4:53
